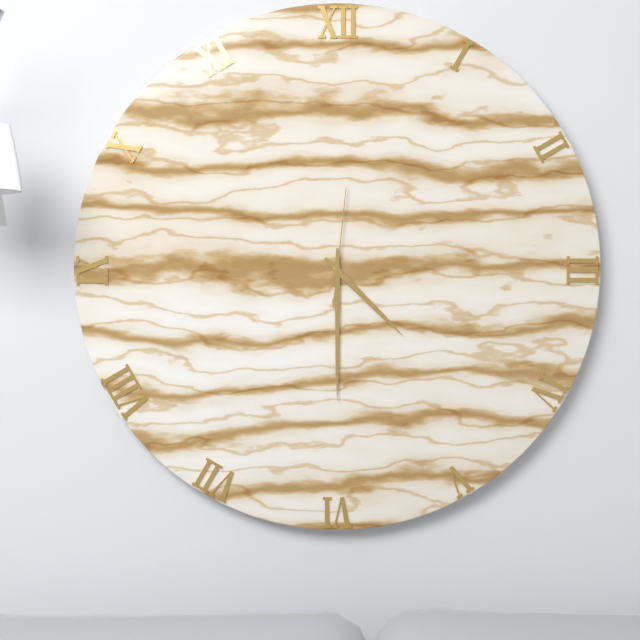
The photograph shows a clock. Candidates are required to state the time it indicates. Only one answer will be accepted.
4:30:01
